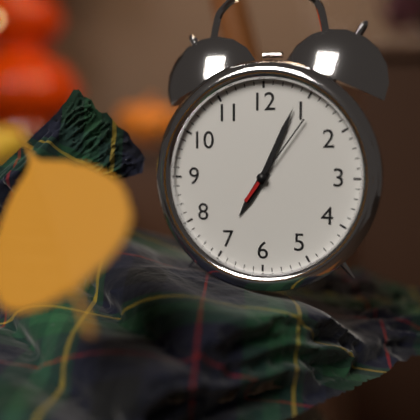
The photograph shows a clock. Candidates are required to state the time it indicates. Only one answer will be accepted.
7:04:06
